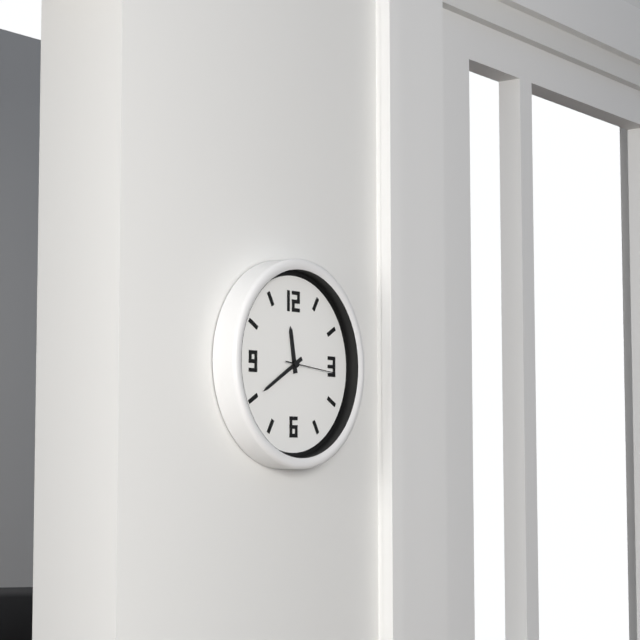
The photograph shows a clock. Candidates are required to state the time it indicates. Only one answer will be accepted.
11:40:16
